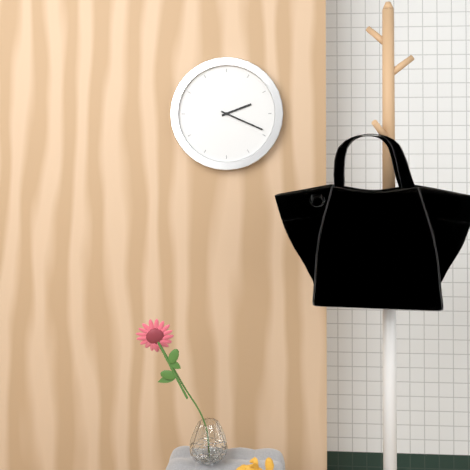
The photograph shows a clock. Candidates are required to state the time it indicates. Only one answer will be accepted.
2:19
